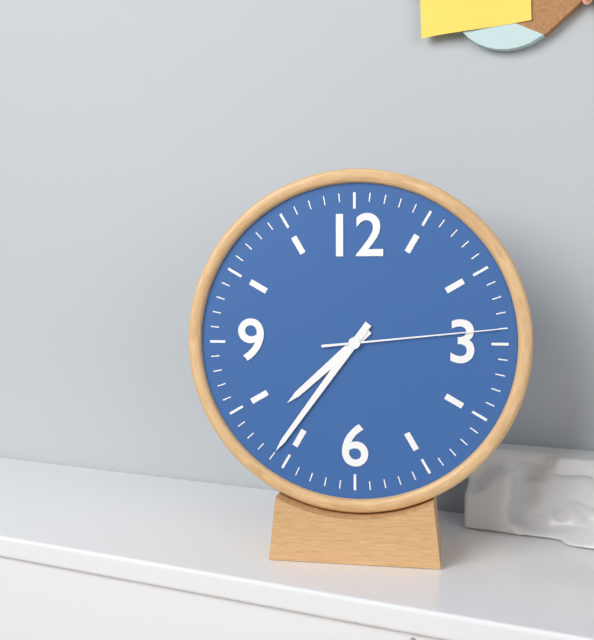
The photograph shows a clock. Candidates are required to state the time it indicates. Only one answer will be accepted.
7:36:14
